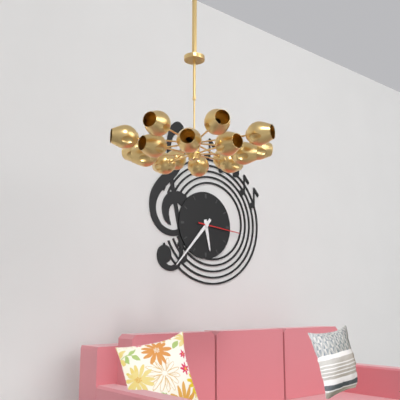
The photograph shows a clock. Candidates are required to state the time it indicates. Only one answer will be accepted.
5:37
